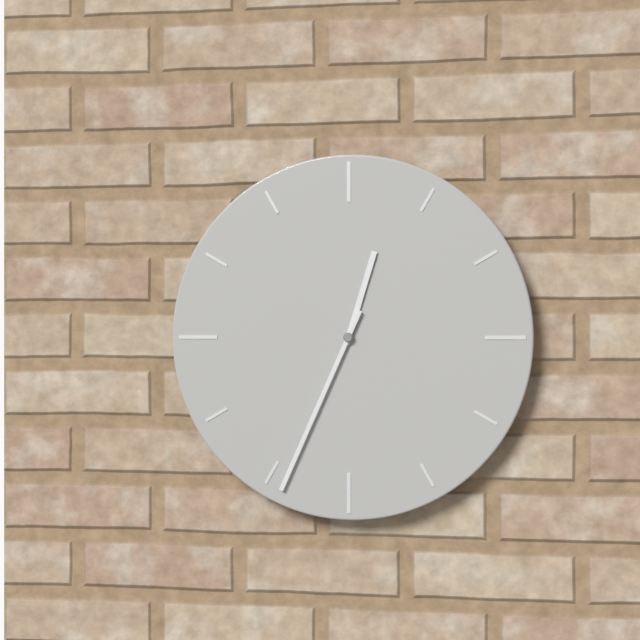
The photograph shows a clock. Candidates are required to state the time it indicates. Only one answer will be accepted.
12:34
